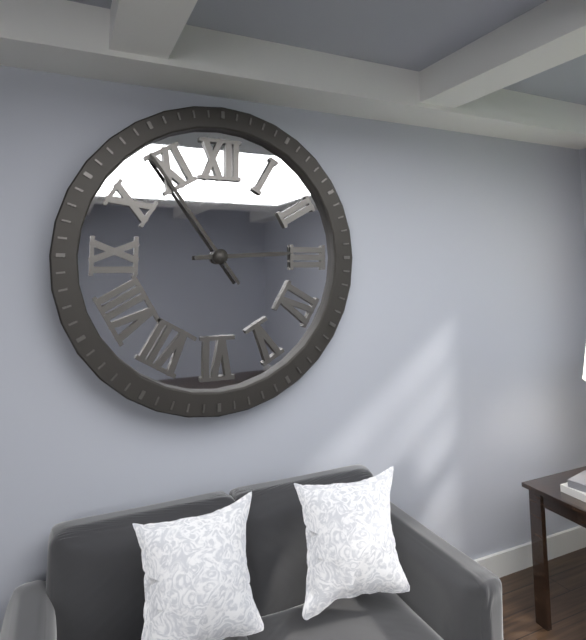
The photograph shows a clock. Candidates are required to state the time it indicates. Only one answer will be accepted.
2:54
